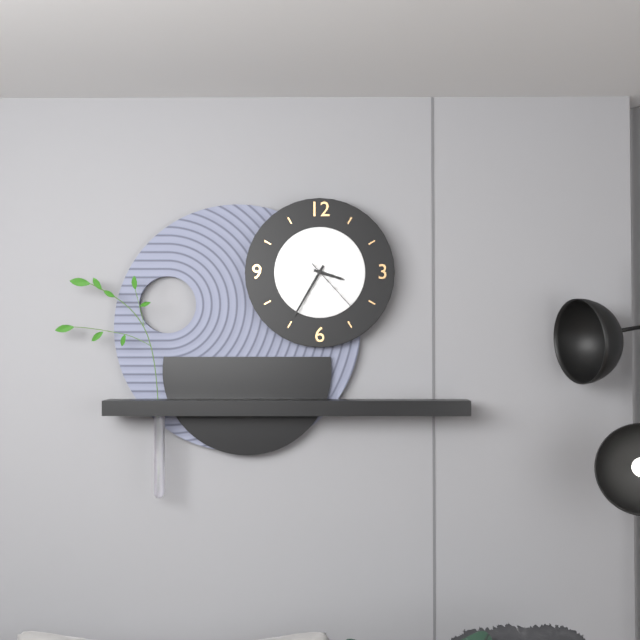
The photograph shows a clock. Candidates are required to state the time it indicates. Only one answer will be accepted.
3:35:23
